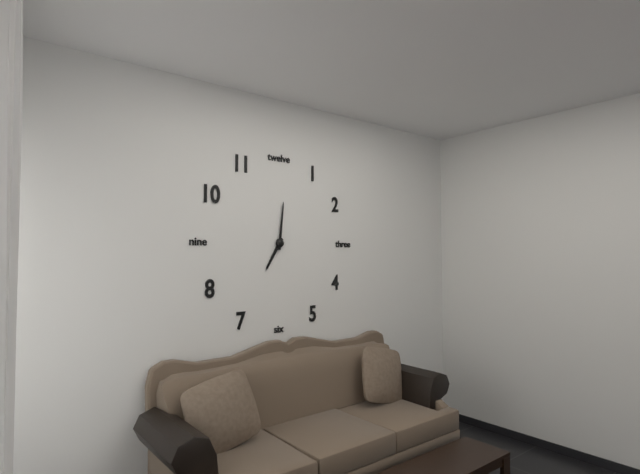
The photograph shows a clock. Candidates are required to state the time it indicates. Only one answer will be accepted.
7:01
